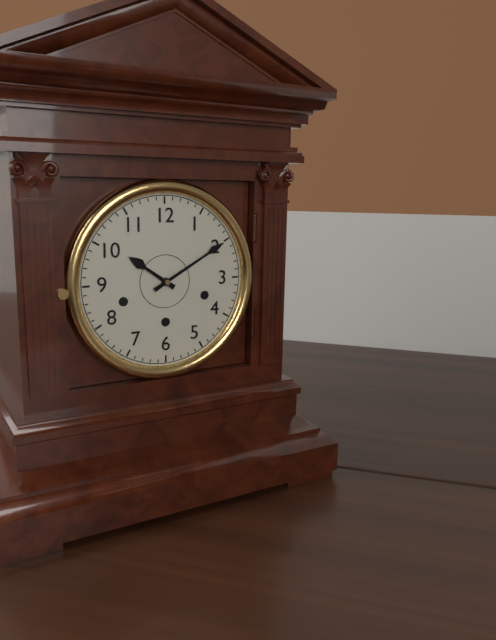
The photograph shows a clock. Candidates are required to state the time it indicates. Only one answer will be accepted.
10:10
